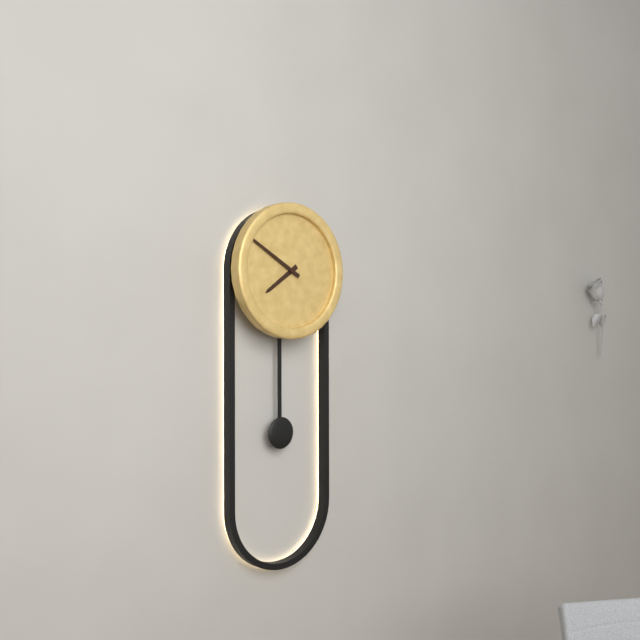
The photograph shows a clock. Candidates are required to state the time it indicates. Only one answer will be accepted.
7:50
